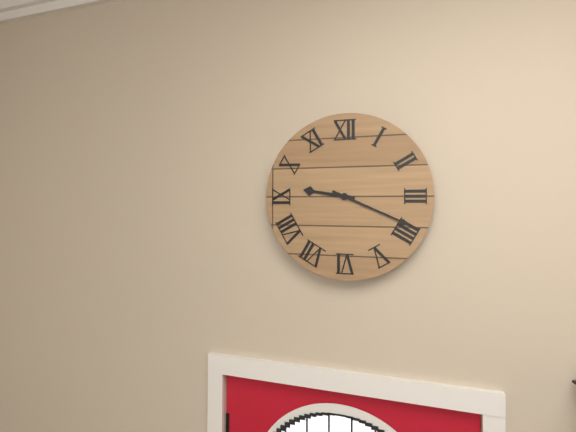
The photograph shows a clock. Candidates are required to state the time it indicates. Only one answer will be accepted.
9:19
